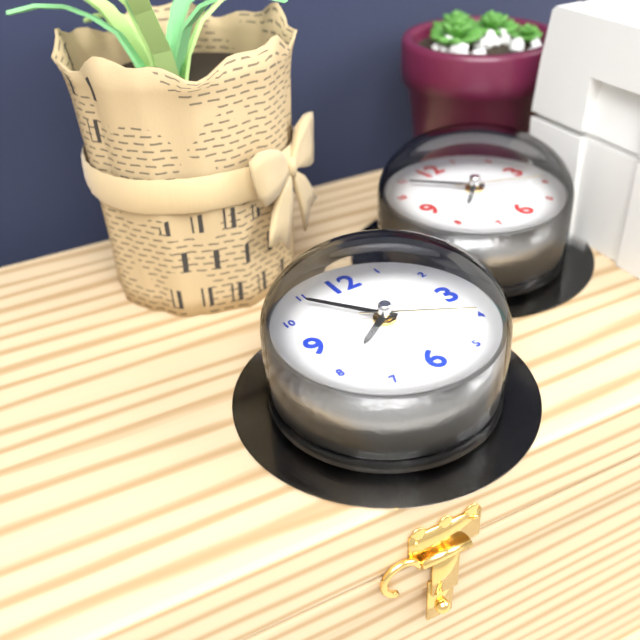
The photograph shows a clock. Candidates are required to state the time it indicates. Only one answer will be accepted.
7:54:20
